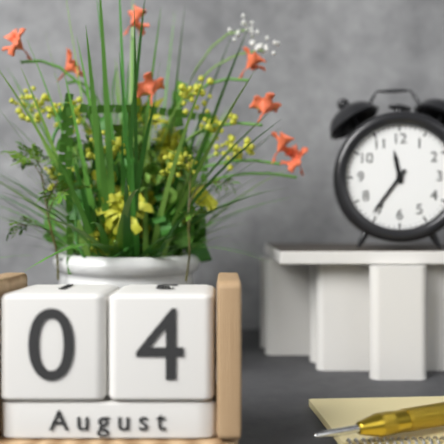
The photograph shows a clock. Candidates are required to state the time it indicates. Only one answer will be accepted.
11:36
